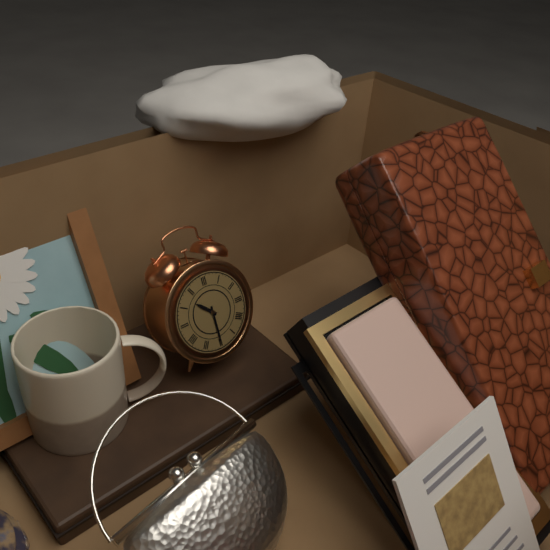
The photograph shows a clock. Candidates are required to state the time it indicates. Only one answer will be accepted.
10:30
